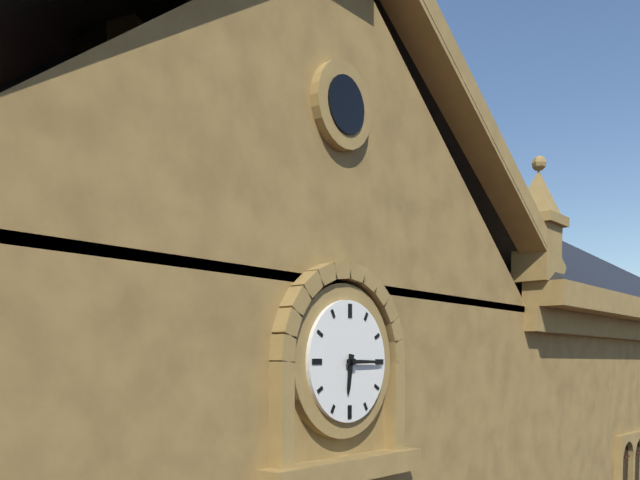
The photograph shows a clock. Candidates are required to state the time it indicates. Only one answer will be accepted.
6:15
